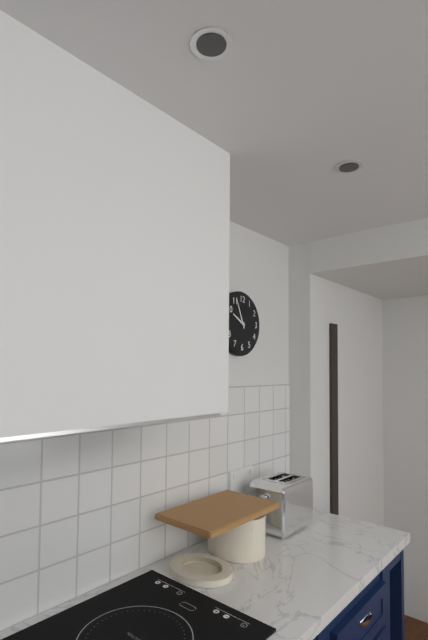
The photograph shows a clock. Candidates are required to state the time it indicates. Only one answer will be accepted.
9:56
